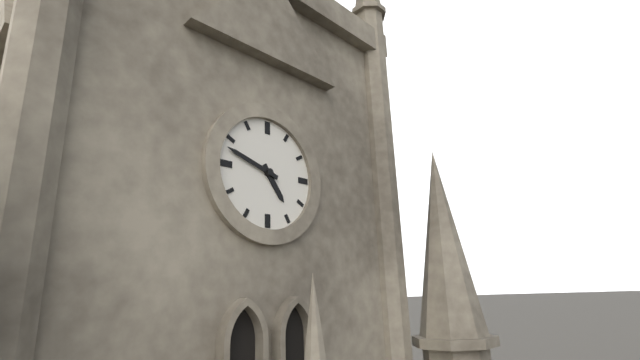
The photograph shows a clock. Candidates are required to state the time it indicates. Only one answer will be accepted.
4:48
